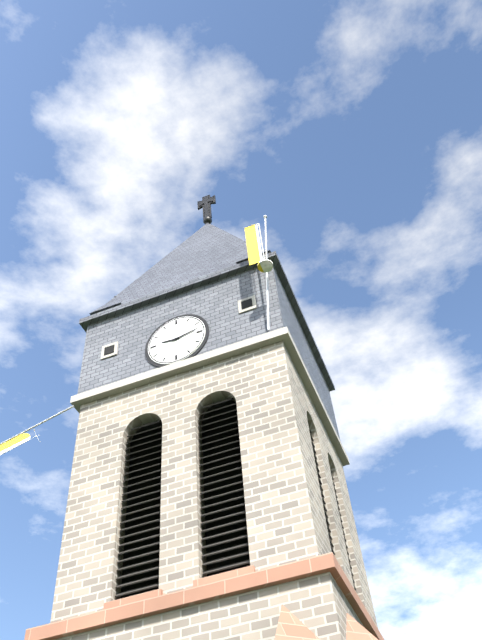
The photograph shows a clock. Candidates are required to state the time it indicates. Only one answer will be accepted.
9:13
